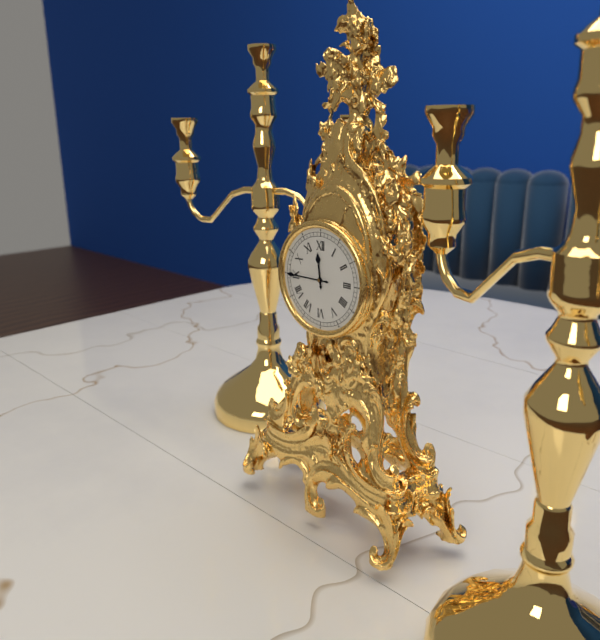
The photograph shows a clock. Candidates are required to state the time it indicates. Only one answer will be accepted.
11:45
